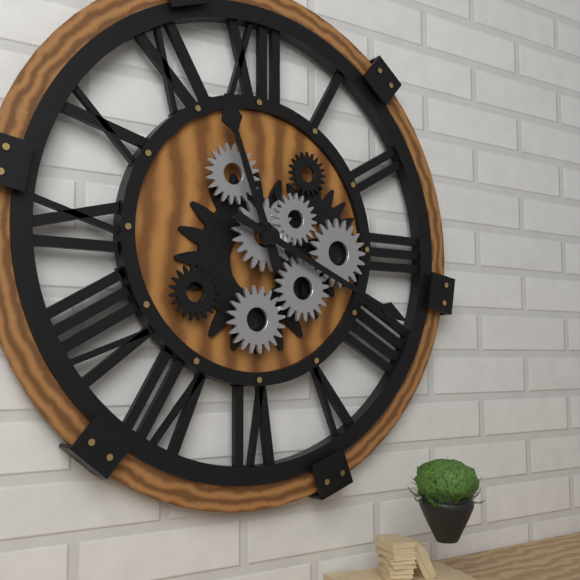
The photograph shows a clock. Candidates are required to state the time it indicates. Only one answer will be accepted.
11:19
